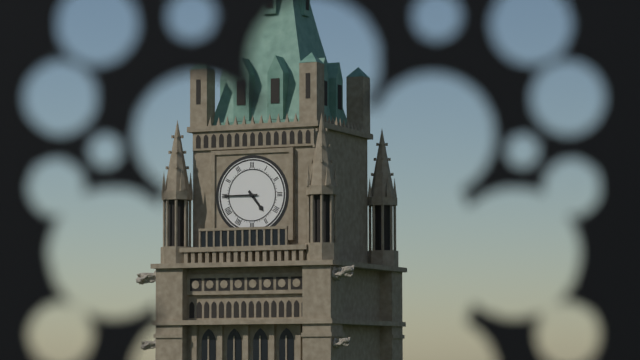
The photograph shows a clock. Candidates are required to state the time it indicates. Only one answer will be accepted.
4:45
